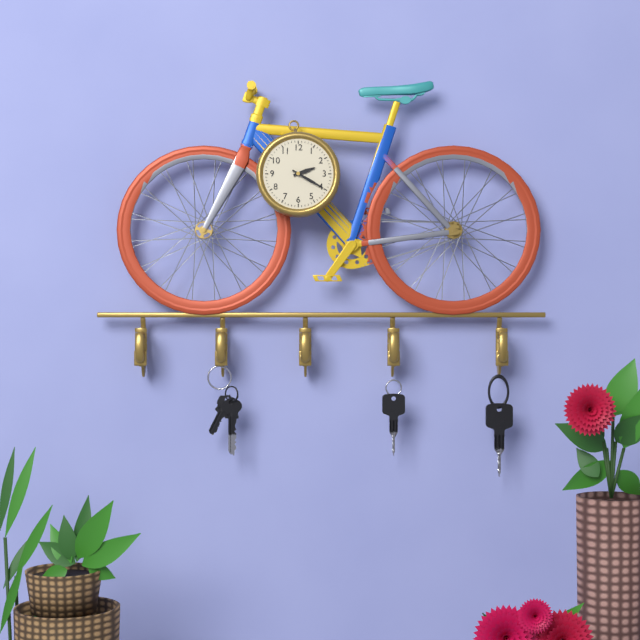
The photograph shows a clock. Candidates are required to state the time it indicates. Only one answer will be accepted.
2:20
